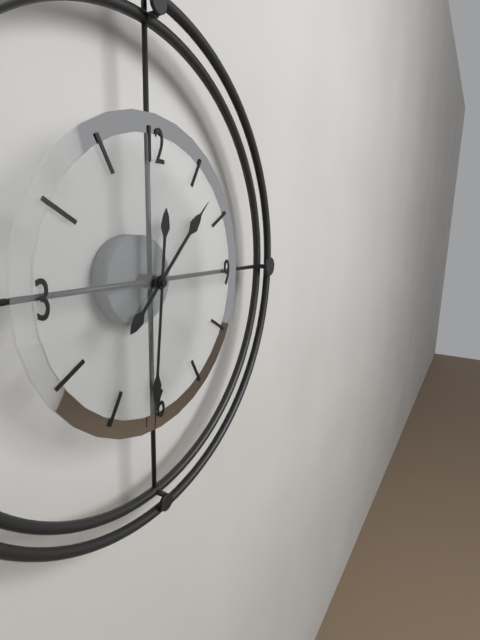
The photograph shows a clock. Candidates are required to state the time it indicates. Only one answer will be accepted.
1:31
